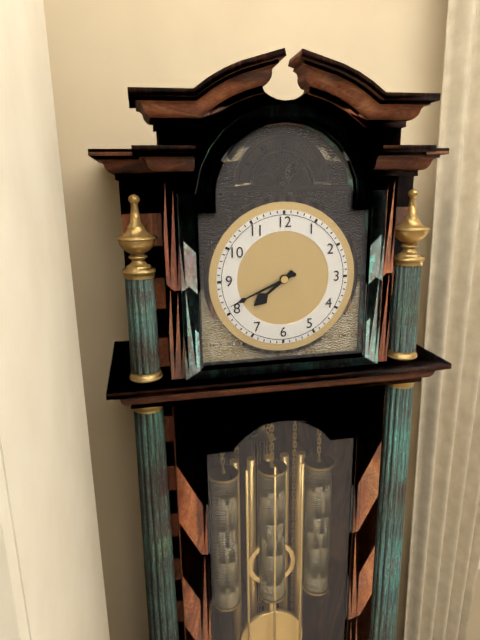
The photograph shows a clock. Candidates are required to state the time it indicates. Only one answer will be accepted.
7:41
